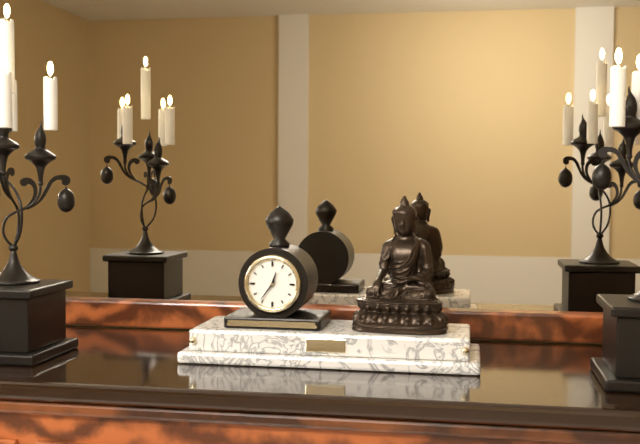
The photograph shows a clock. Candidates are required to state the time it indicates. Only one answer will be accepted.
12:36
